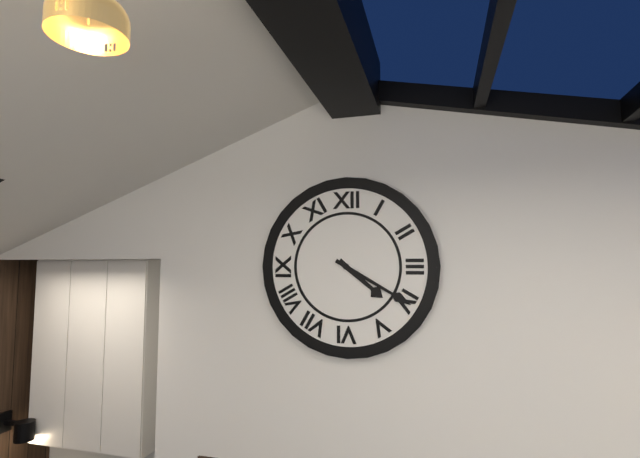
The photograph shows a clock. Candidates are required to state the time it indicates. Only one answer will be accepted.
4:20
